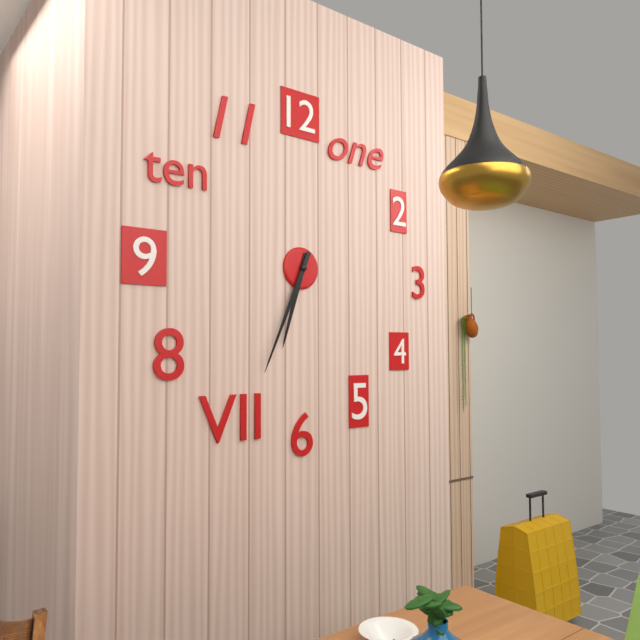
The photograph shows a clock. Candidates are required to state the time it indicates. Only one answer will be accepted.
6:34
